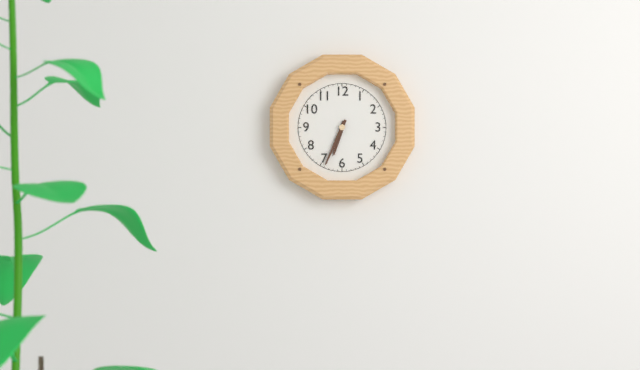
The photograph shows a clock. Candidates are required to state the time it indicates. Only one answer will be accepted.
6:34
